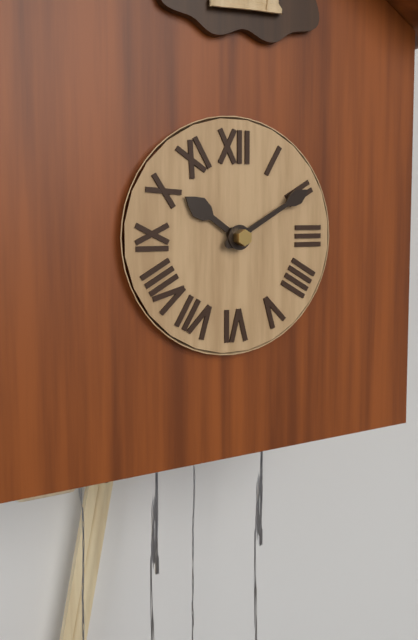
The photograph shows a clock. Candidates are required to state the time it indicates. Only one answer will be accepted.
10:10
